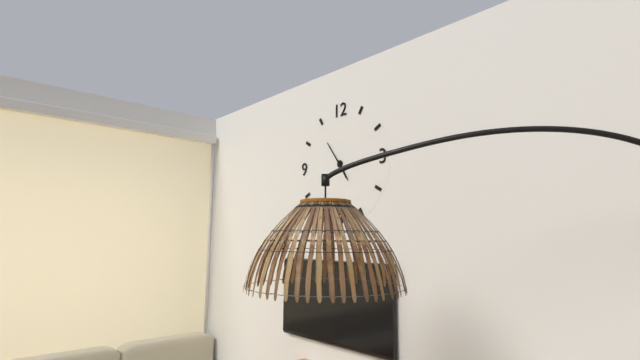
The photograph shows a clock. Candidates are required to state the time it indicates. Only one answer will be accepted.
4:54
